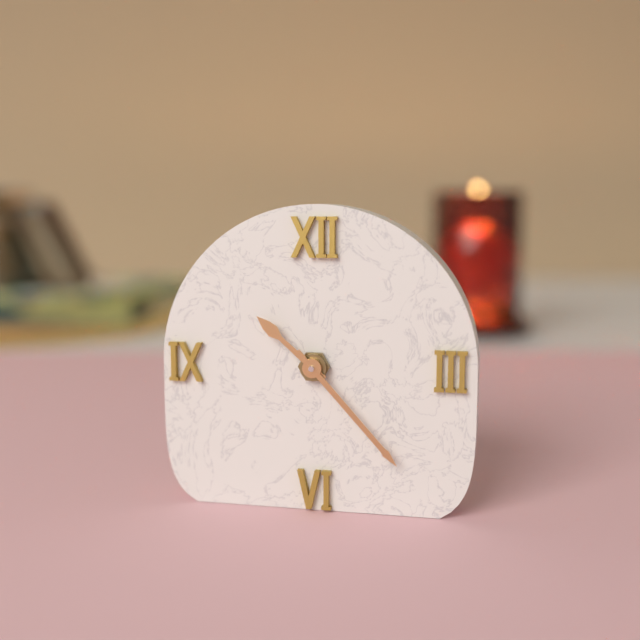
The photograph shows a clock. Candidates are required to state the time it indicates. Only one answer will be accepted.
10:23
